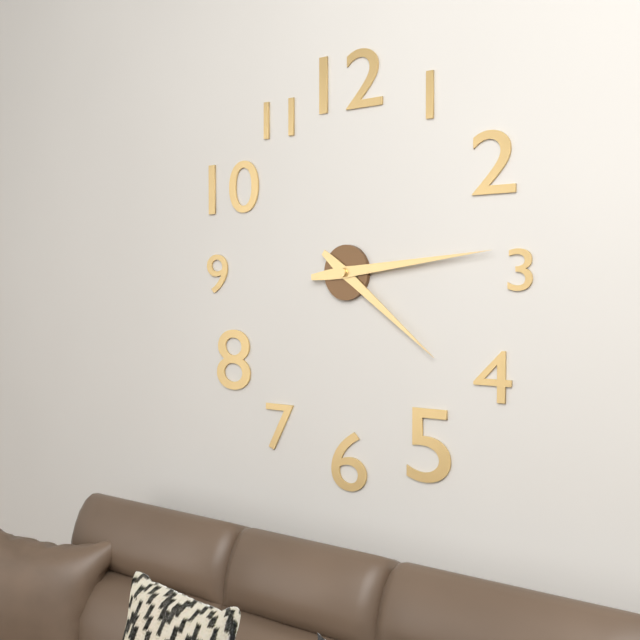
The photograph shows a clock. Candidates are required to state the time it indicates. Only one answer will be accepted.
4:14
